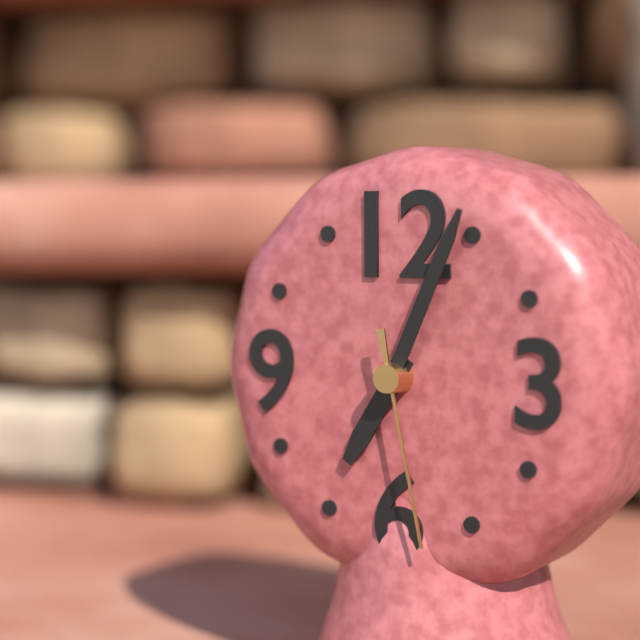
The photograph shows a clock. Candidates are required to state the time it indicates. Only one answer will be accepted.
7:04:28
